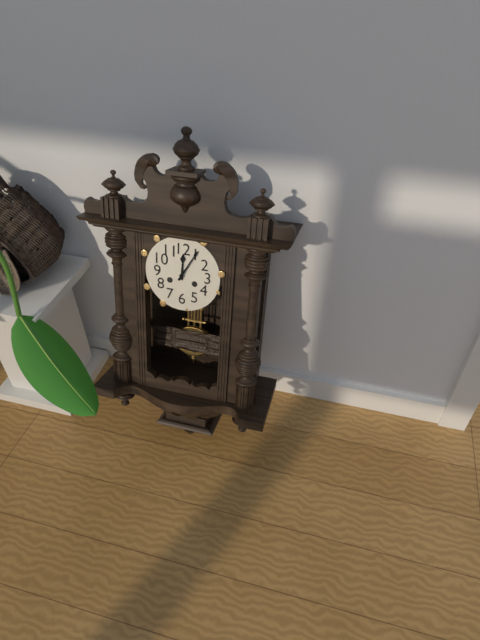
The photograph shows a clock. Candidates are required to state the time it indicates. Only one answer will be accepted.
12:05
